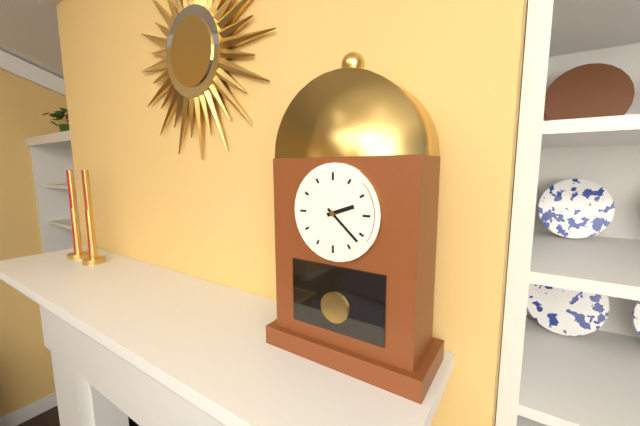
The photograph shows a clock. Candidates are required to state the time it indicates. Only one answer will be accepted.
2:22
